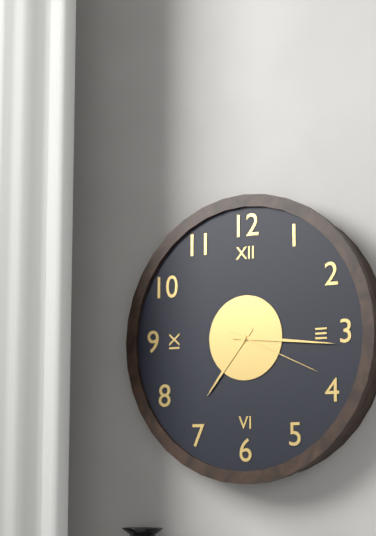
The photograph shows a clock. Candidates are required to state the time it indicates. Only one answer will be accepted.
7:16:19
